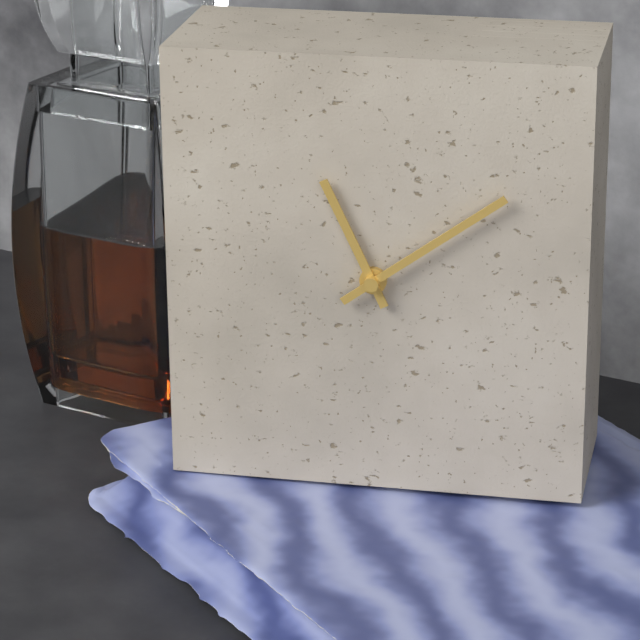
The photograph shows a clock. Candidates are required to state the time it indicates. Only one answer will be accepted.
11:09
